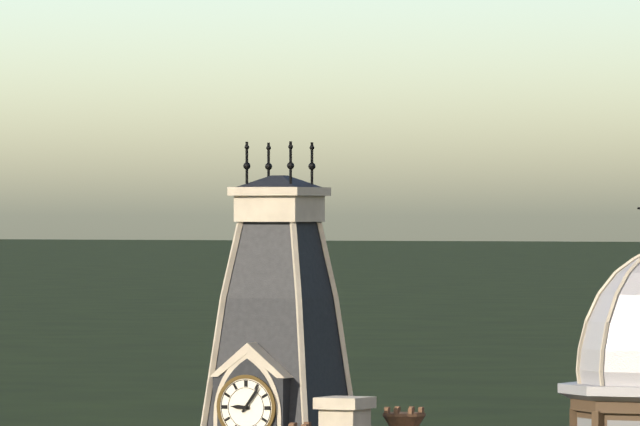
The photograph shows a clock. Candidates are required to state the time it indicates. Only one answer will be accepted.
9:06
